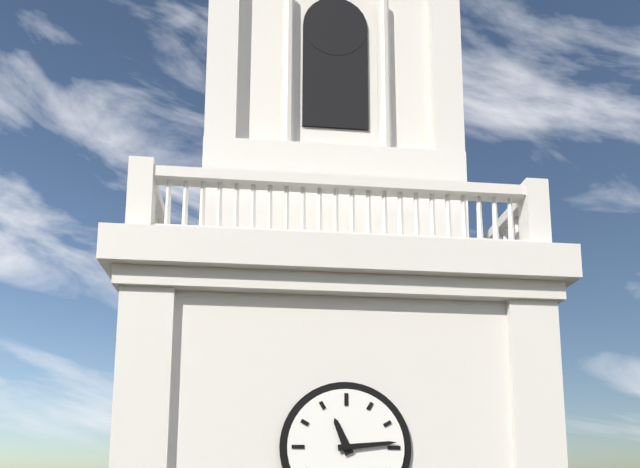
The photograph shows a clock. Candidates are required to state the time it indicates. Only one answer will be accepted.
11:14
